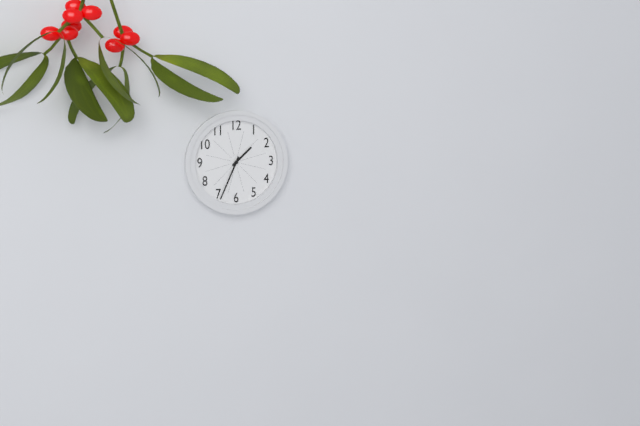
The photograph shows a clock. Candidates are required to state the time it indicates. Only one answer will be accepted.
1:34
